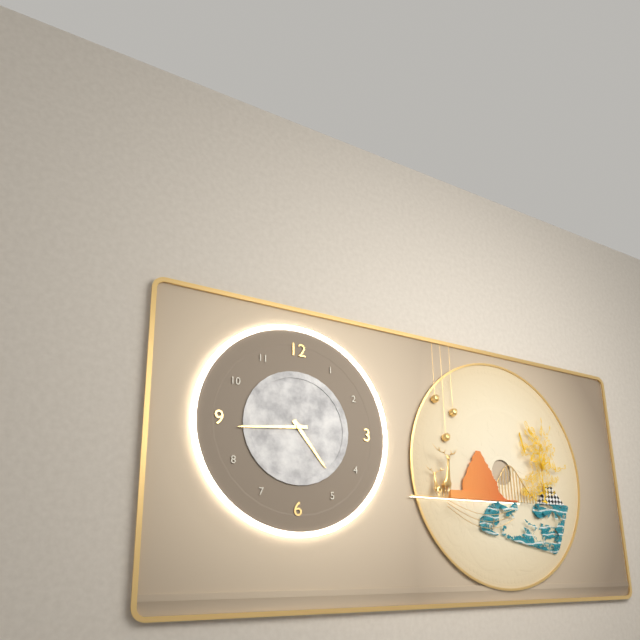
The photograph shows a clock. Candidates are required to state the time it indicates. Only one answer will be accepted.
4:44
